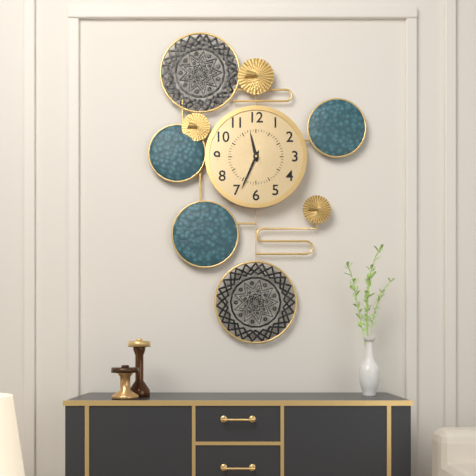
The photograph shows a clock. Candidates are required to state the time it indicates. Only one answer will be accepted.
11:34
